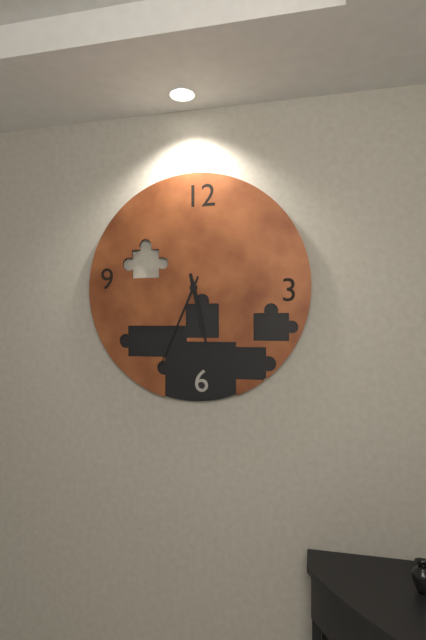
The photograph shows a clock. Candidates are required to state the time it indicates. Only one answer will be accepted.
5:34
